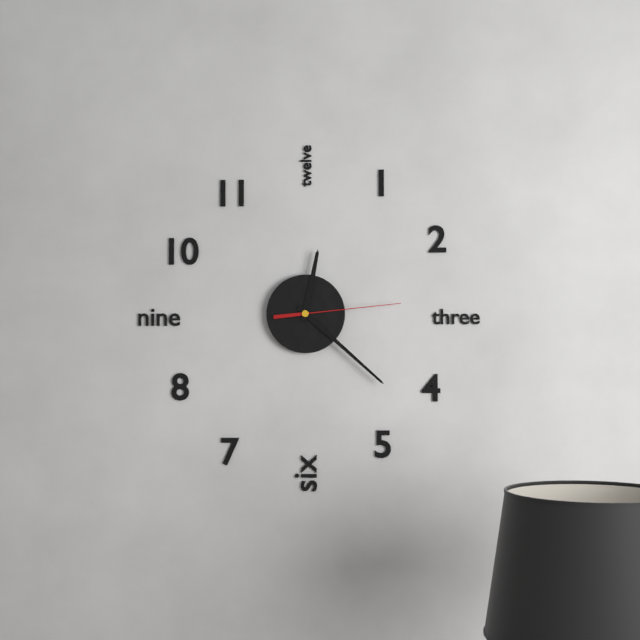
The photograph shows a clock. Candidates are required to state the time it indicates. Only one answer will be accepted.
12:22:14
